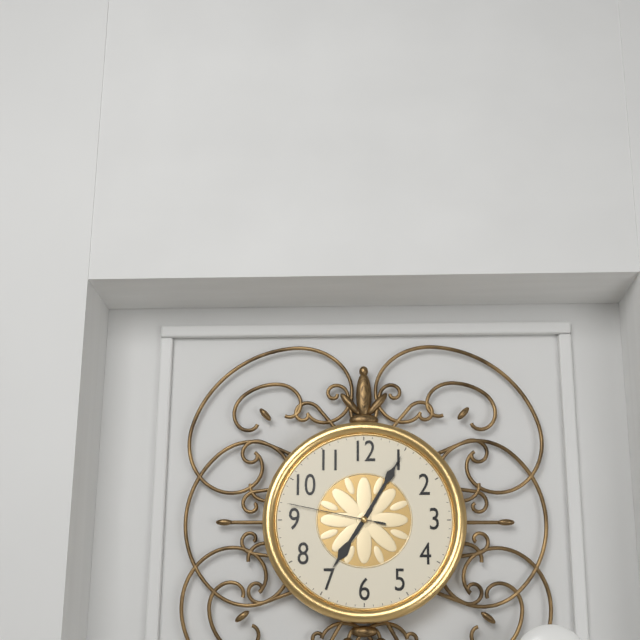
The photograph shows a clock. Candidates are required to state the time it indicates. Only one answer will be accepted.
7:05:47
